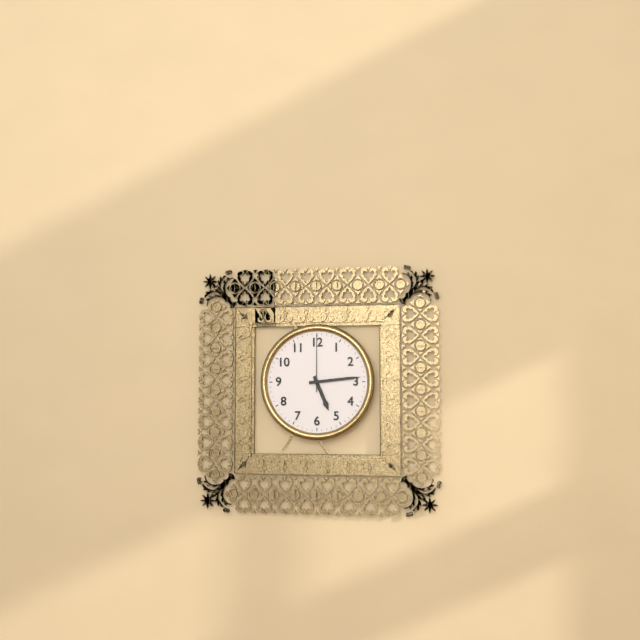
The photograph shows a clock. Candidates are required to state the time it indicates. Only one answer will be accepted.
5:14:00
